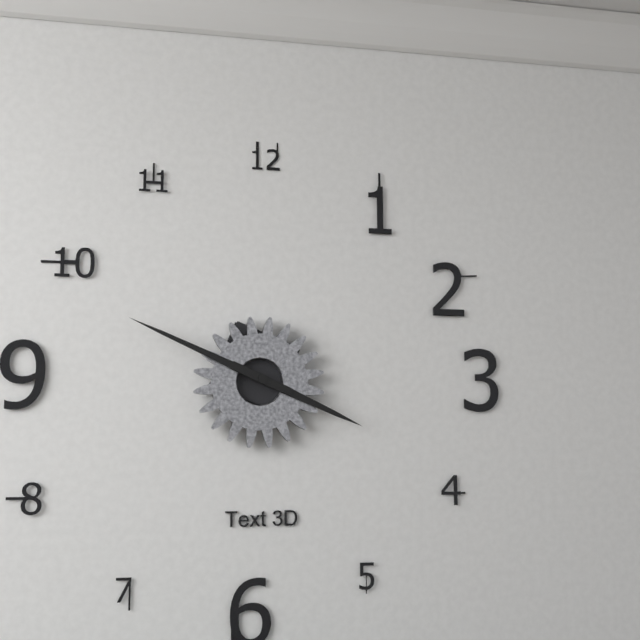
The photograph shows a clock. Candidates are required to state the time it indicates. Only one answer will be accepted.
3:49
